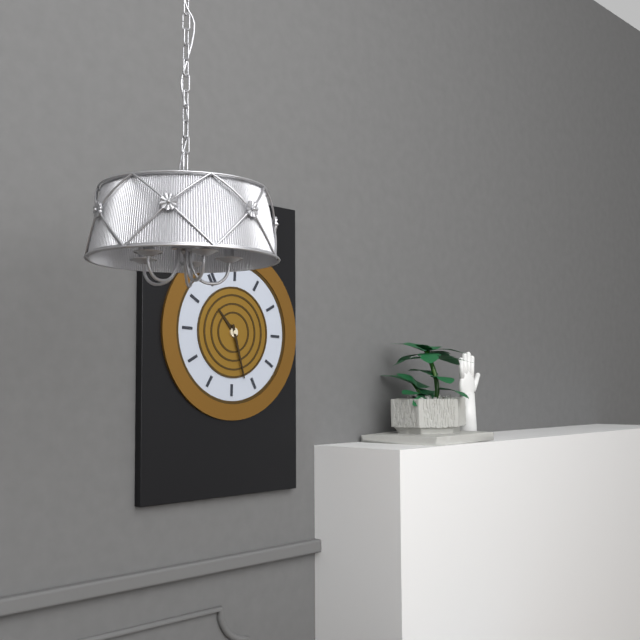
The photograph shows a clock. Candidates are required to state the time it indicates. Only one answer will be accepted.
11:32
